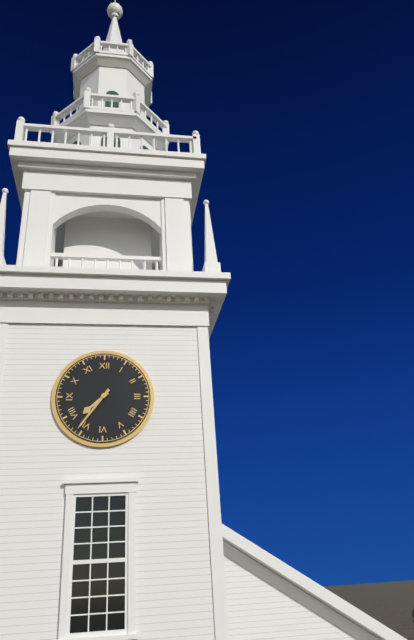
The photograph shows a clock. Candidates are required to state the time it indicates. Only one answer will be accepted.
7:36
